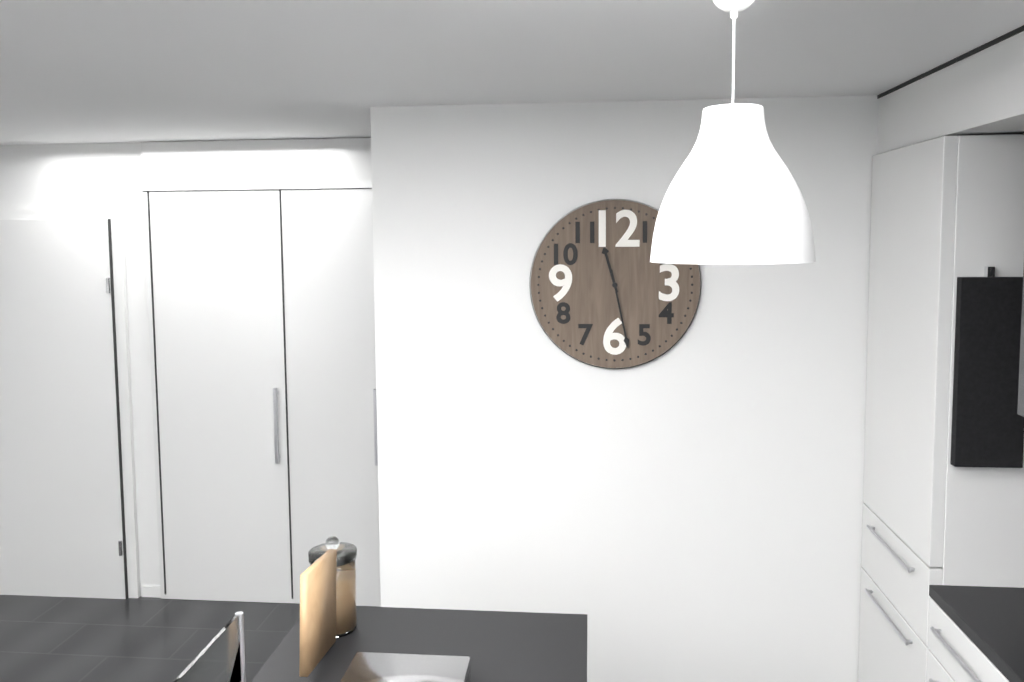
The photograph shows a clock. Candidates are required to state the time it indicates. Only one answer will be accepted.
11:28
